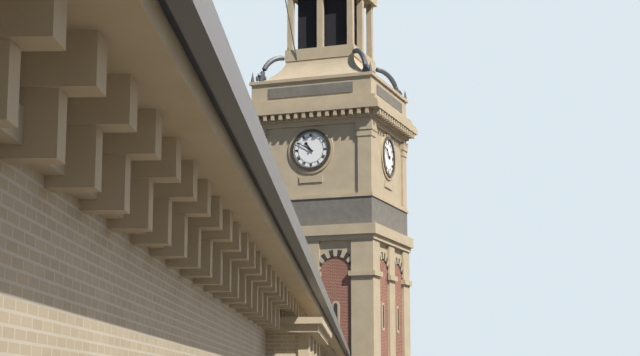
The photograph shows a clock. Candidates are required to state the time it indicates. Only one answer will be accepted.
10:50
